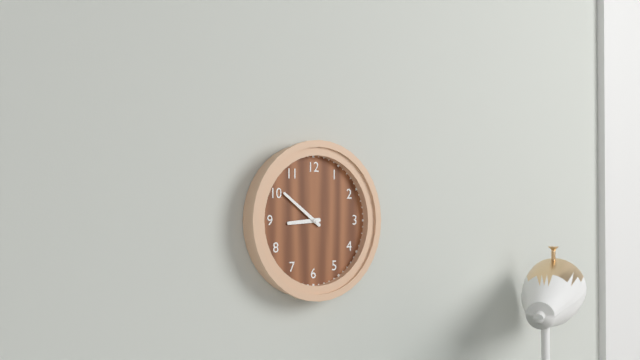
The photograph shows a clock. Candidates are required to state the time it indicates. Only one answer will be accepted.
8:51
